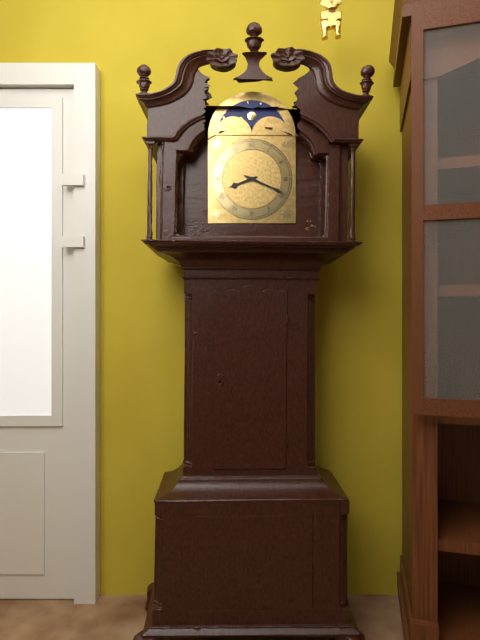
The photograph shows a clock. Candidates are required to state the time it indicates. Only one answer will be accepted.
8:19
